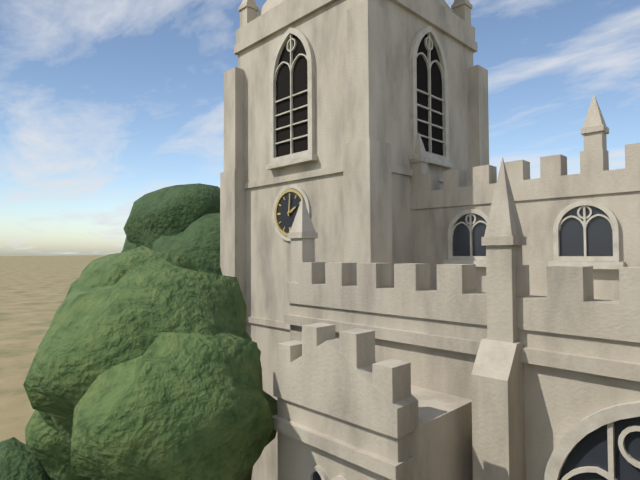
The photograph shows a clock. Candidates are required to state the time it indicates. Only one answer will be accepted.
2:01
